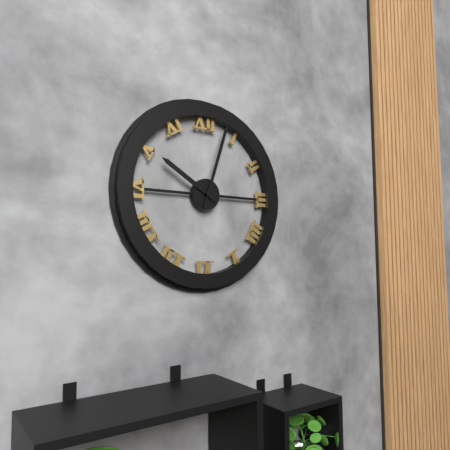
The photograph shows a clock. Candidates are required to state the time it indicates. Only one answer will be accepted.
10:03
